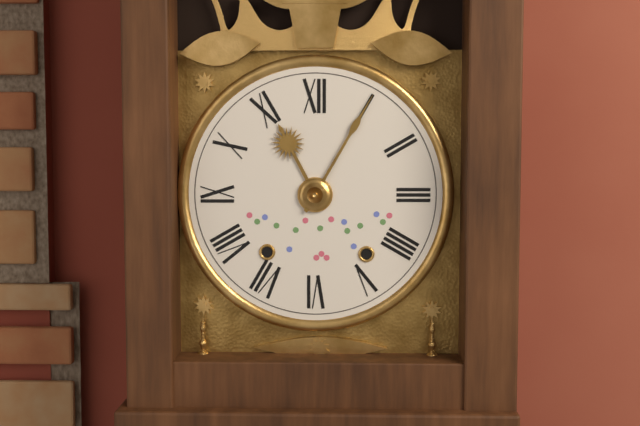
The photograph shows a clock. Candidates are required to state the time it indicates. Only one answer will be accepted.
11:05
